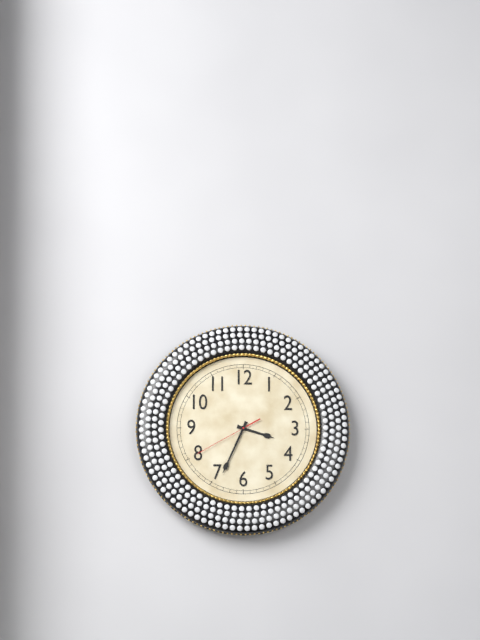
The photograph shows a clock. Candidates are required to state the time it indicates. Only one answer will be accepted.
3:34:40
